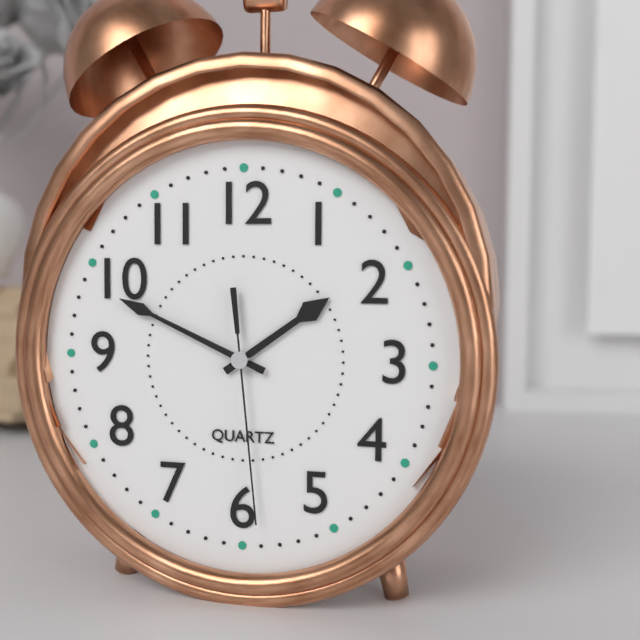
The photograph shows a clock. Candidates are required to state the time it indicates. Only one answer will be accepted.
1:49:29
